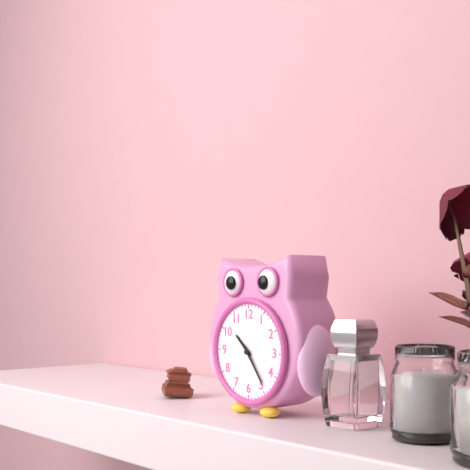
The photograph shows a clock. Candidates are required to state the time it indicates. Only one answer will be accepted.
10:24
